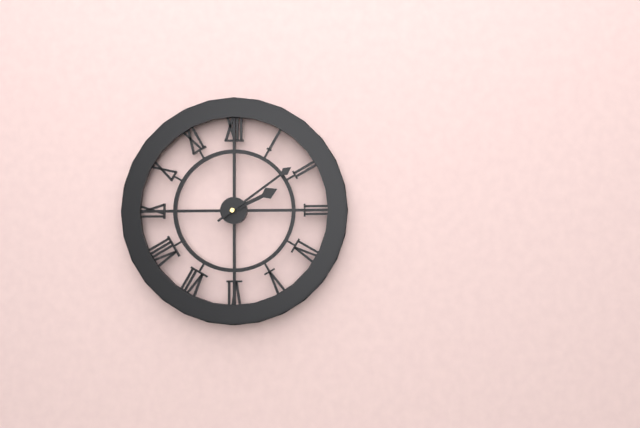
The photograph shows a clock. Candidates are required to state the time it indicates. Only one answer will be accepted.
2:09
